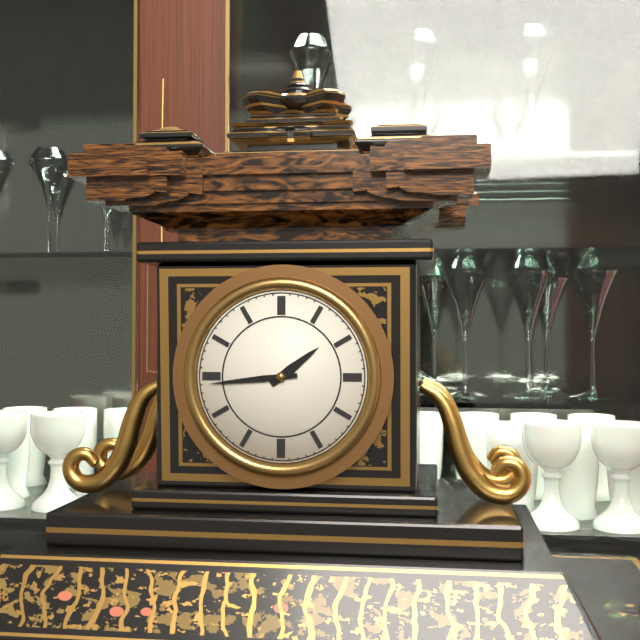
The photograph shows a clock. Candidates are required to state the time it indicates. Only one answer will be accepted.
1:44
